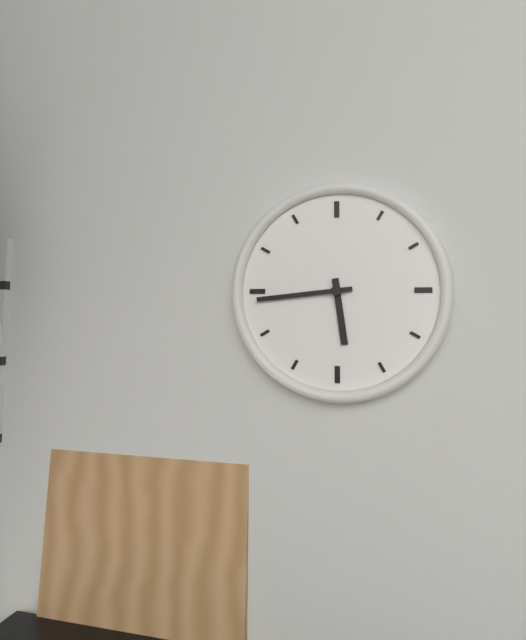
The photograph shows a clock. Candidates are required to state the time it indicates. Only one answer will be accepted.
5:44
